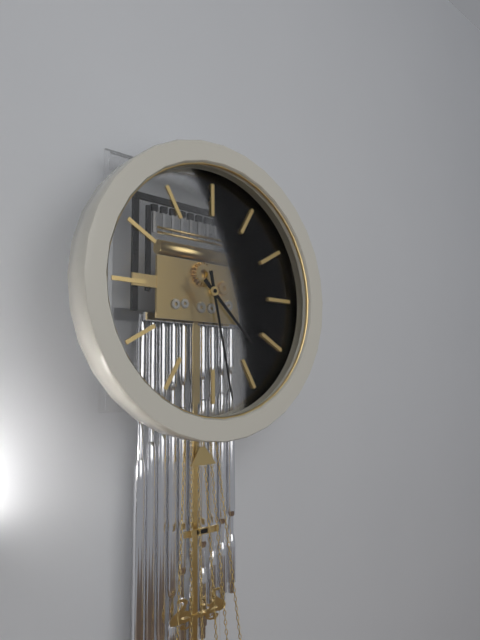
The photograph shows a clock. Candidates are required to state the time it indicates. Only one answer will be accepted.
4:28
